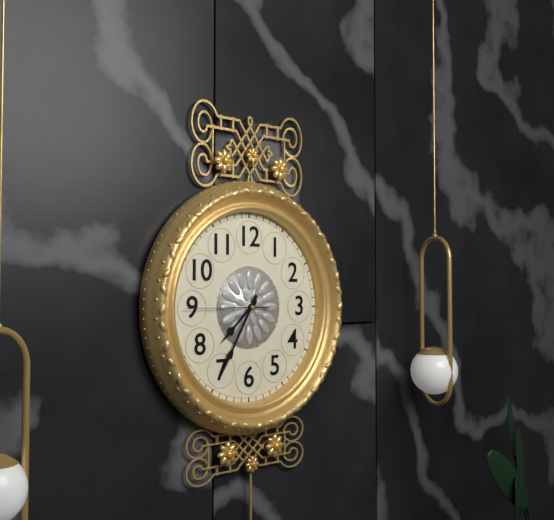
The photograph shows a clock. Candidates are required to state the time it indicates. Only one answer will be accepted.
7:35:45
